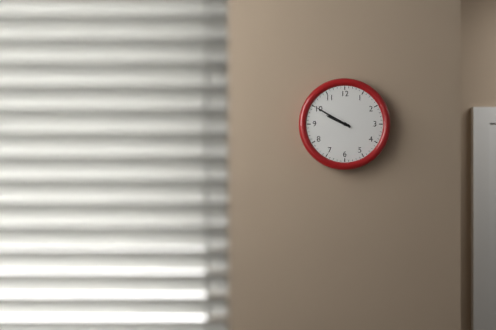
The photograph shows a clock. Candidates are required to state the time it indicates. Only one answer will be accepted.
9:50
